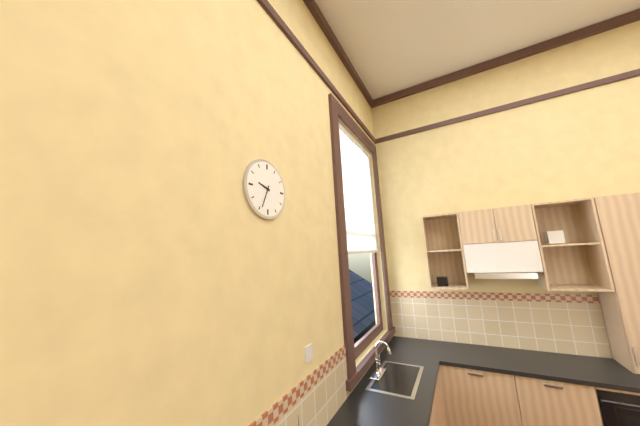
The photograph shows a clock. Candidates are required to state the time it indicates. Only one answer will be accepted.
9:34
